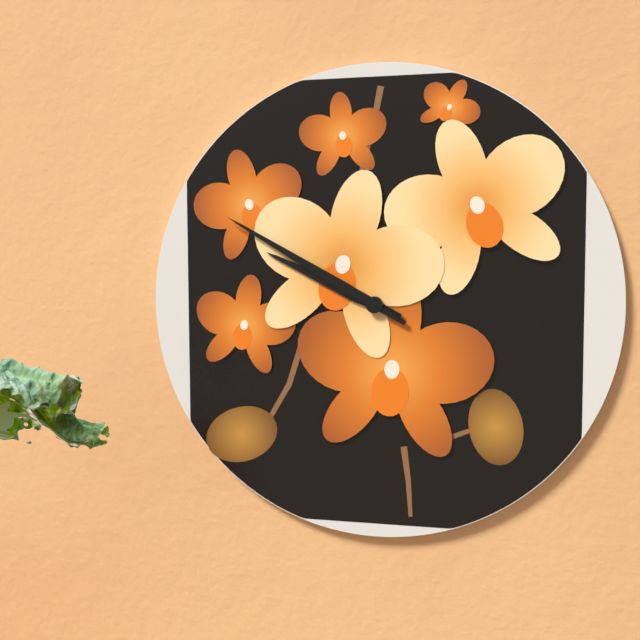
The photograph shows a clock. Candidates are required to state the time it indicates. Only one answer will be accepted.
9:50
